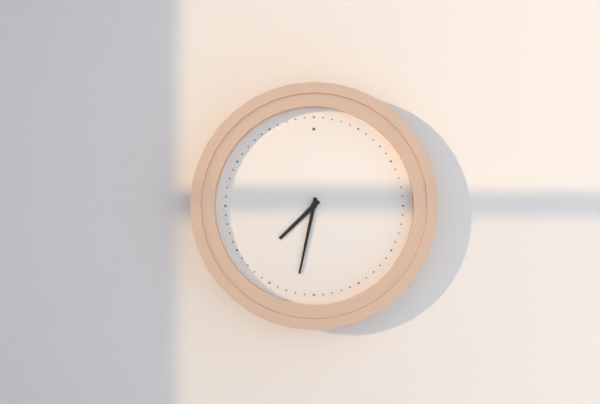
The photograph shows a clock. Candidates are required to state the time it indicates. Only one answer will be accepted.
7:32
